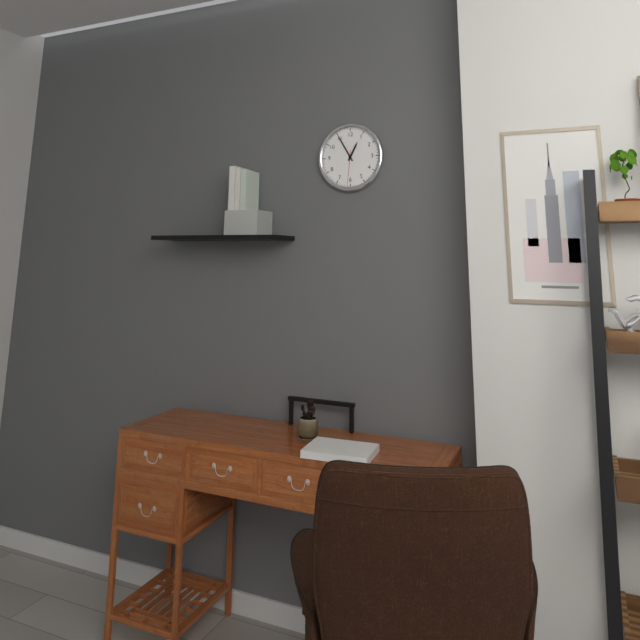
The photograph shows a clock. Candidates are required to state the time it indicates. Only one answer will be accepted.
12:55
